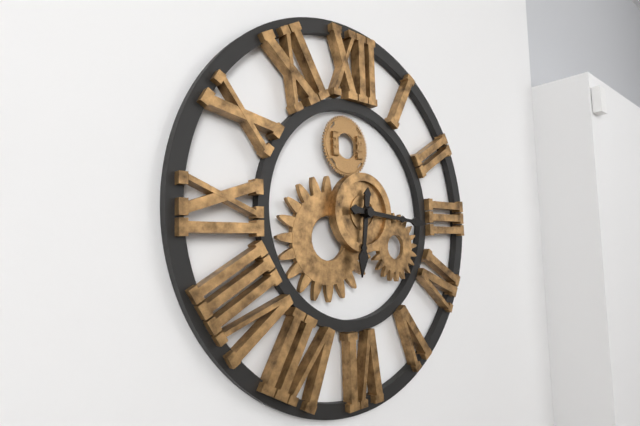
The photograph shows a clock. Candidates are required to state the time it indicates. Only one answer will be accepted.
6:16
